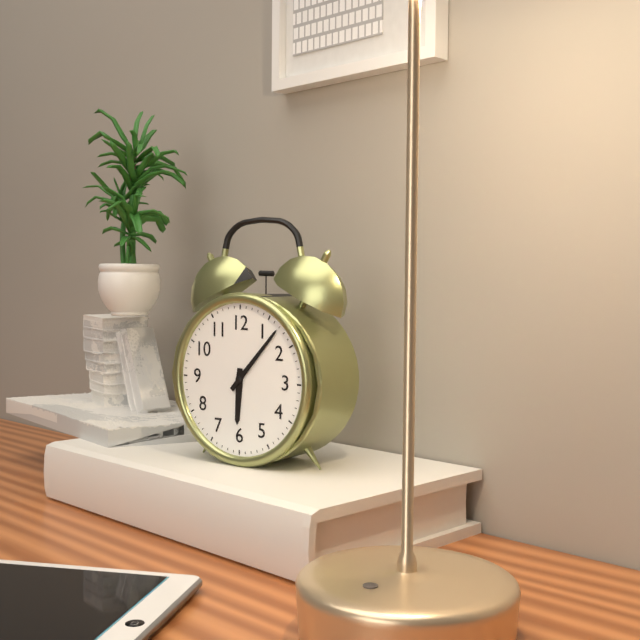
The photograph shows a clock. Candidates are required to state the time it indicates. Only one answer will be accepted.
6:07
